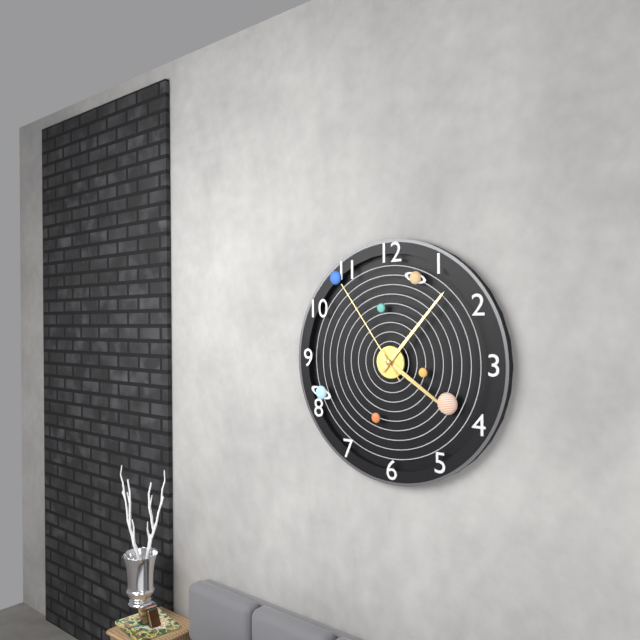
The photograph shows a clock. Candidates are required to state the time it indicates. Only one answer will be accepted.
4:07:54
